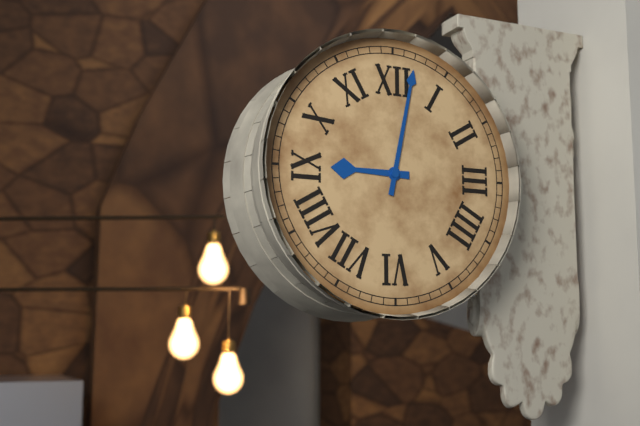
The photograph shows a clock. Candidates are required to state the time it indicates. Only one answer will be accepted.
9:02
